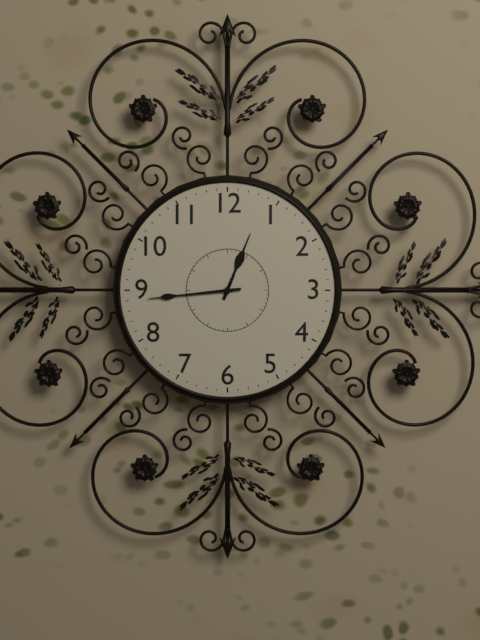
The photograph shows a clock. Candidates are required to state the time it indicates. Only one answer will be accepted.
12:44
